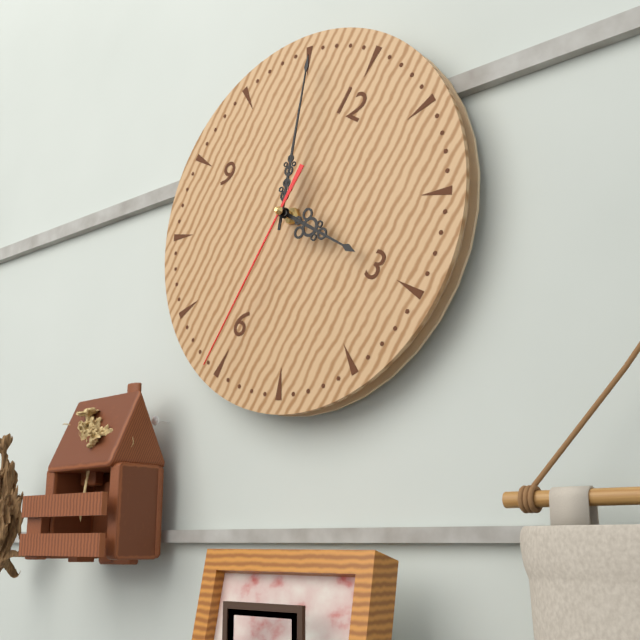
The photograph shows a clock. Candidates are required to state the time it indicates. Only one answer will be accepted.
2:56:30
